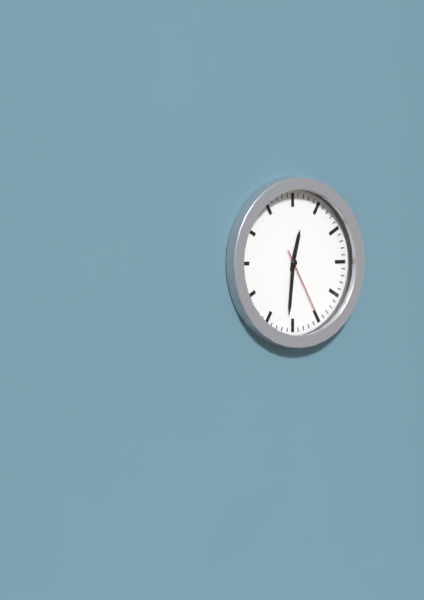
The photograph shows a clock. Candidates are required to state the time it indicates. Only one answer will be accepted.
12:31:25
